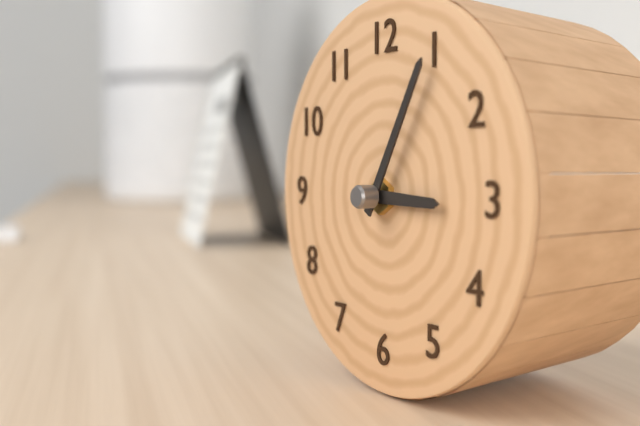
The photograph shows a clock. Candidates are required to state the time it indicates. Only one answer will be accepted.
3:05
